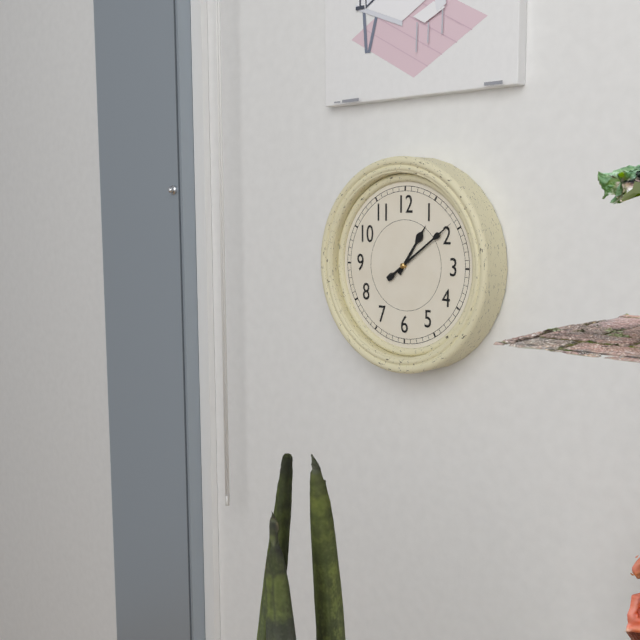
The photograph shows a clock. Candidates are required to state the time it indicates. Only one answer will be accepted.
1:09
